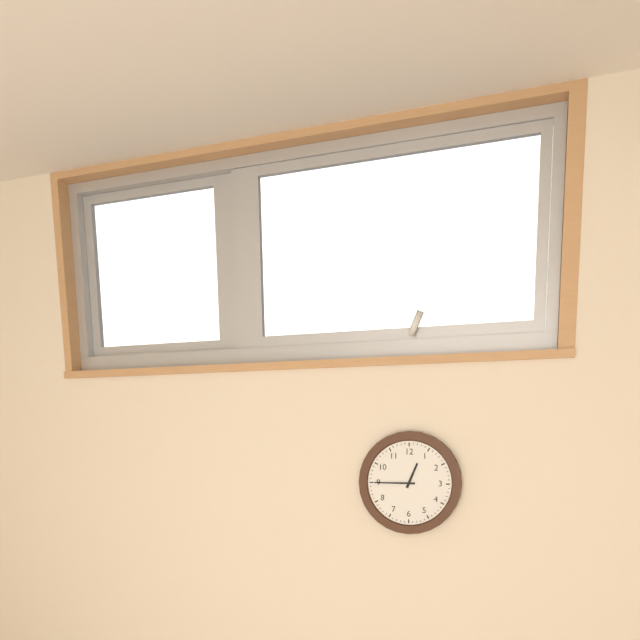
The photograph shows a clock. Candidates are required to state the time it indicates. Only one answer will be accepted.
12:45
